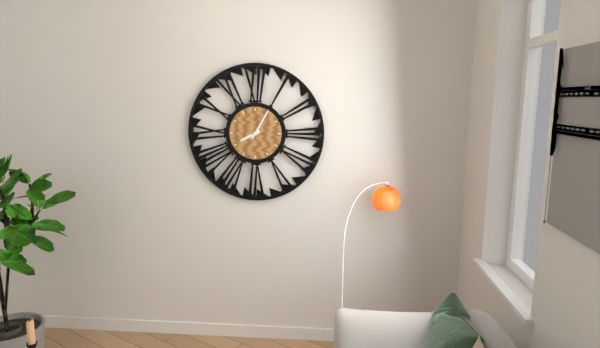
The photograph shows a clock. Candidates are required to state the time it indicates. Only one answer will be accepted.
8:05
